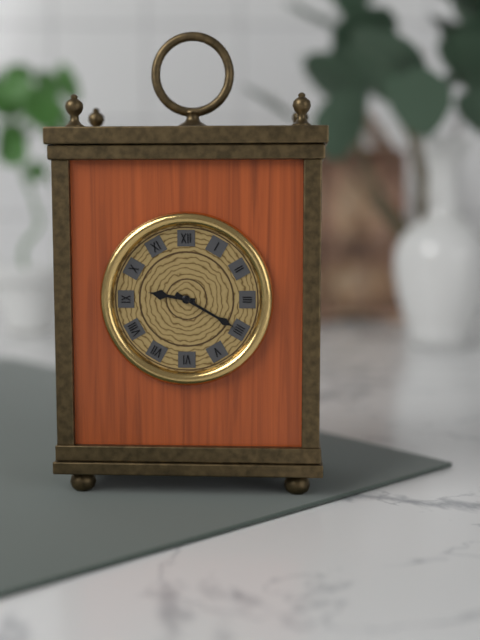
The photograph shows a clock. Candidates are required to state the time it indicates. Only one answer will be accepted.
9:20
